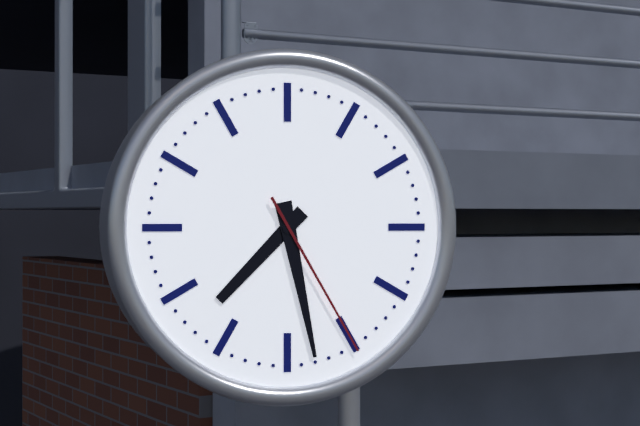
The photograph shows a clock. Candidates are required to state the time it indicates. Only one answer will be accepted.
7:28:25
